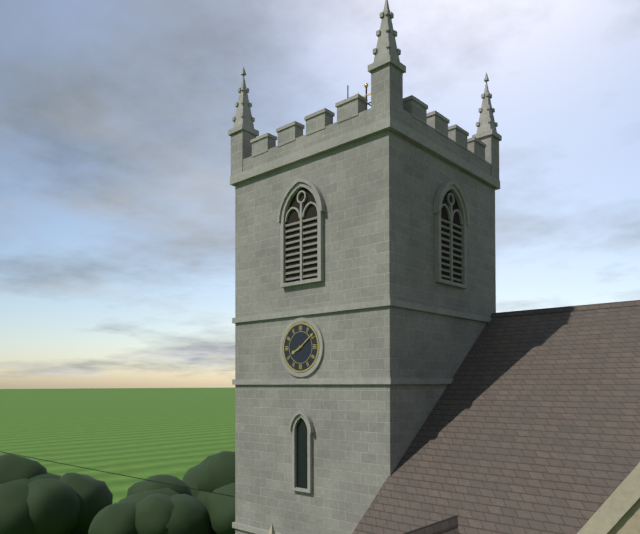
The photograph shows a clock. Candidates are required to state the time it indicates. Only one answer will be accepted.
8:09
